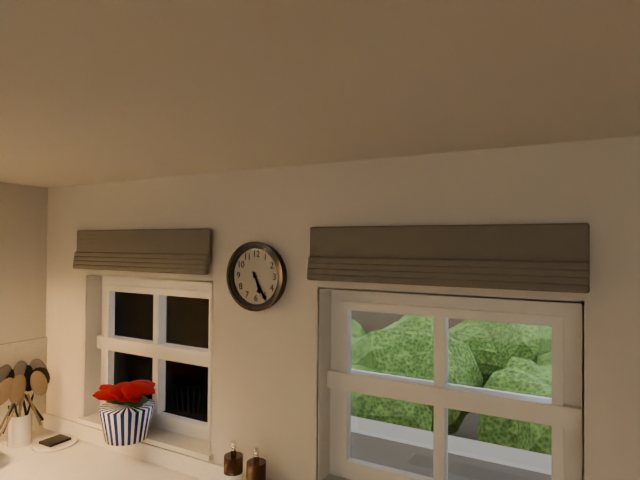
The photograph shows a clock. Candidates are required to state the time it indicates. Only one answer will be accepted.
5:25
